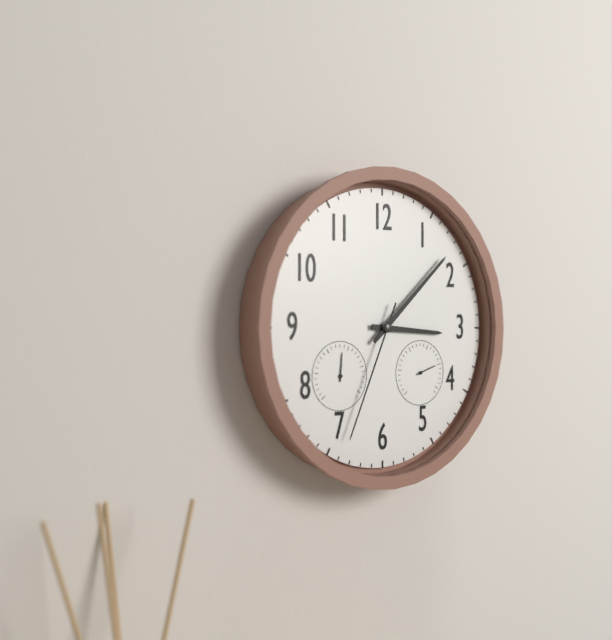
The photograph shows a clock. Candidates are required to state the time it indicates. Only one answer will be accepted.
3:08:34
